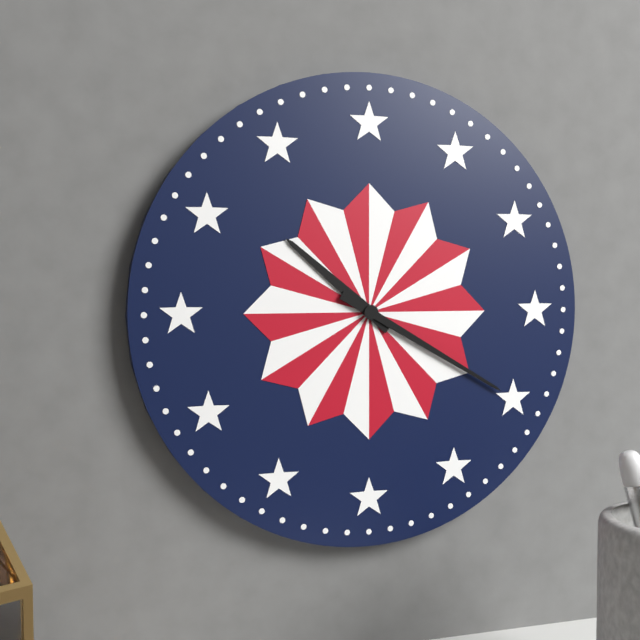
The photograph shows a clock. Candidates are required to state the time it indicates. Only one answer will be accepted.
10:20
